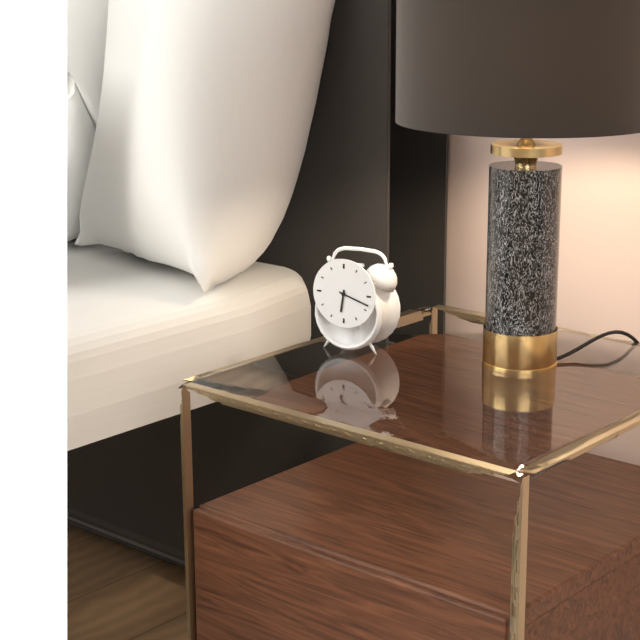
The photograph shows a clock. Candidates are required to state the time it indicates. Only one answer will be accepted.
6:18
